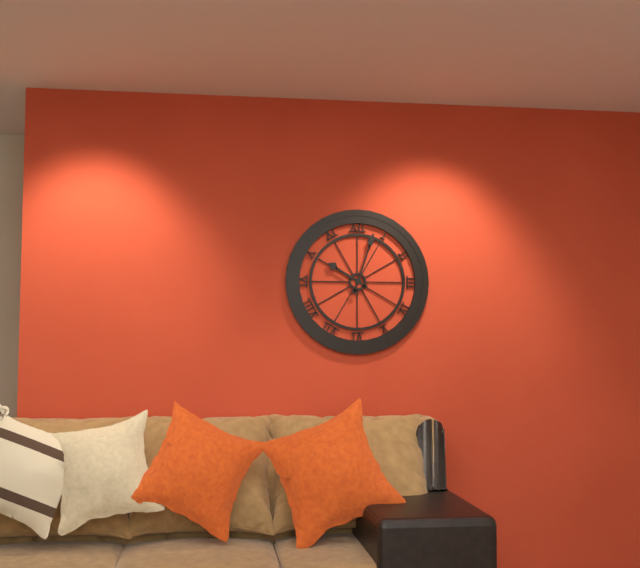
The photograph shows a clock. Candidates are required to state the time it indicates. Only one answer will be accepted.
10:03
